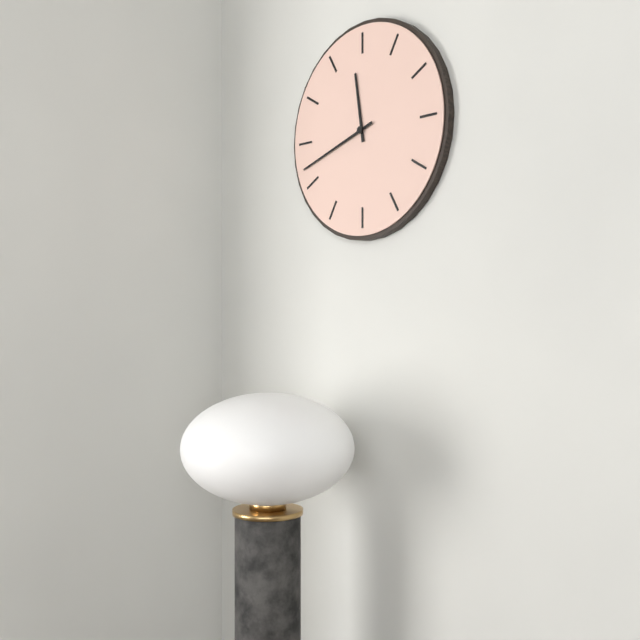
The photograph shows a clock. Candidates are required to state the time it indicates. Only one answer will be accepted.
11:42
